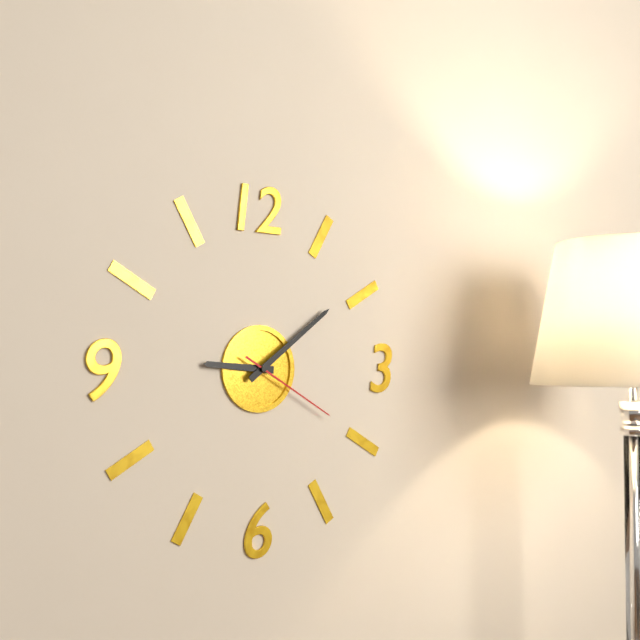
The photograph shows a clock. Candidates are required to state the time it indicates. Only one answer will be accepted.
9:09:20
